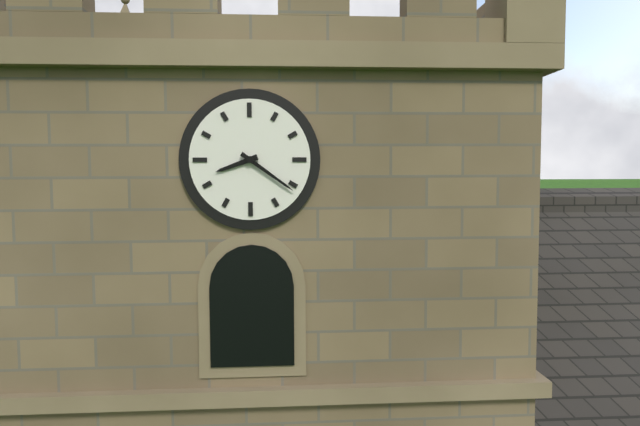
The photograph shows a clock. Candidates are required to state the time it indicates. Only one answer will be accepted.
8:21
